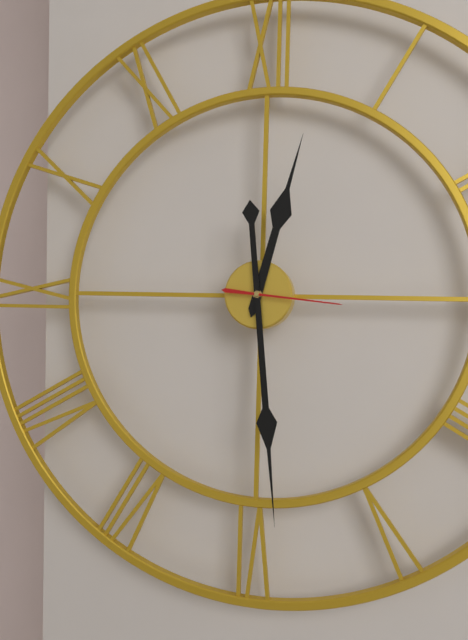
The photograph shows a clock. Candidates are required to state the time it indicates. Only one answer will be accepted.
12:29:16
